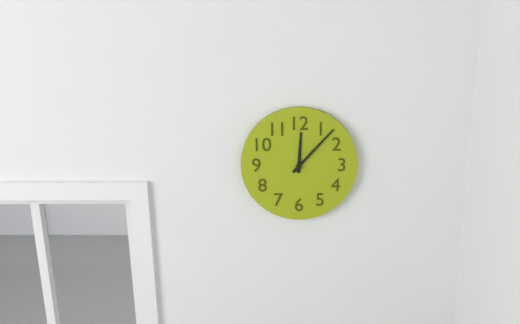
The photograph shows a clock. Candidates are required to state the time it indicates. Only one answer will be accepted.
12:07
